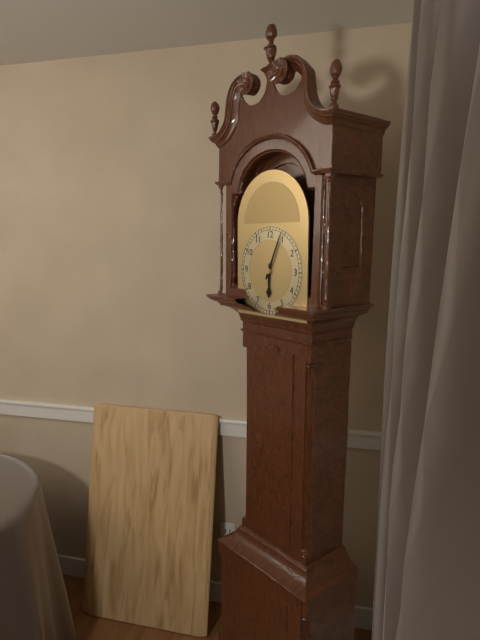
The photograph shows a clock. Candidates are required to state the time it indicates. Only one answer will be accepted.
6:04
